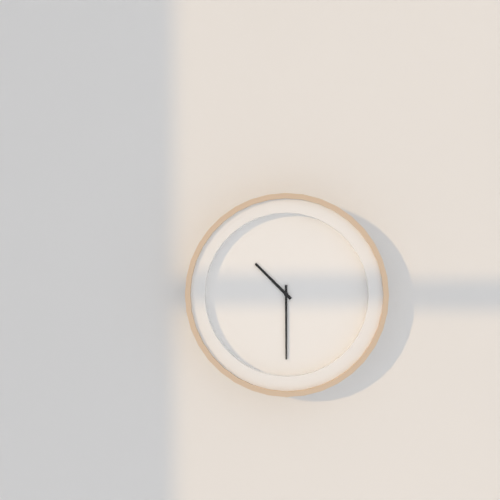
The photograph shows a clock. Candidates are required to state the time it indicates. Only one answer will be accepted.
10:30
